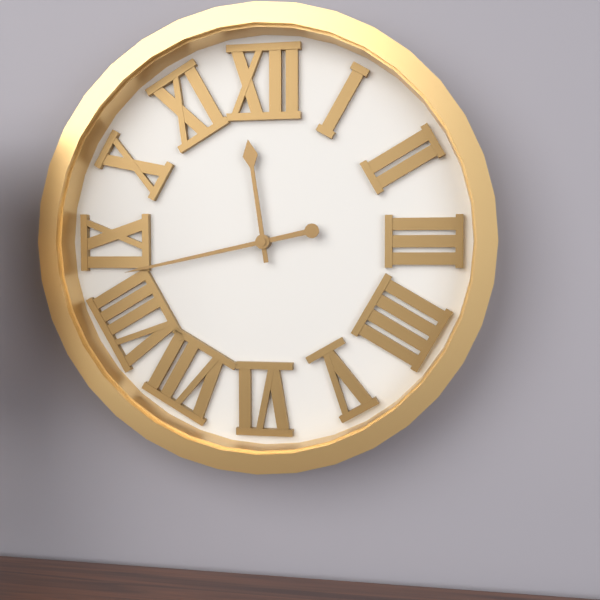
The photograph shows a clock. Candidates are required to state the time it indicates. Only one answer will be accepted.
11:43
